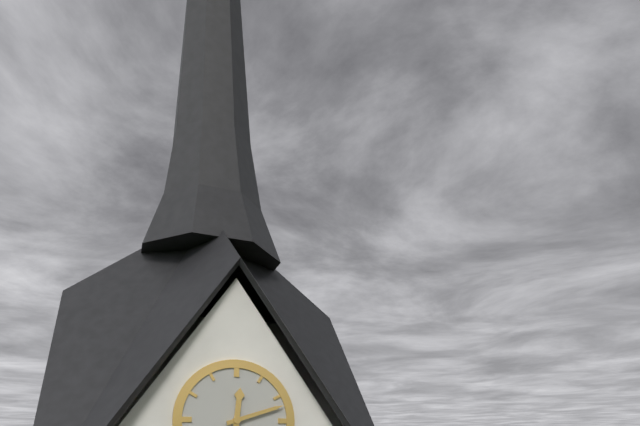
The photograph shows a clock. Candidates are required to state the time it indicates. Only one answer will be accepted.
12:12
